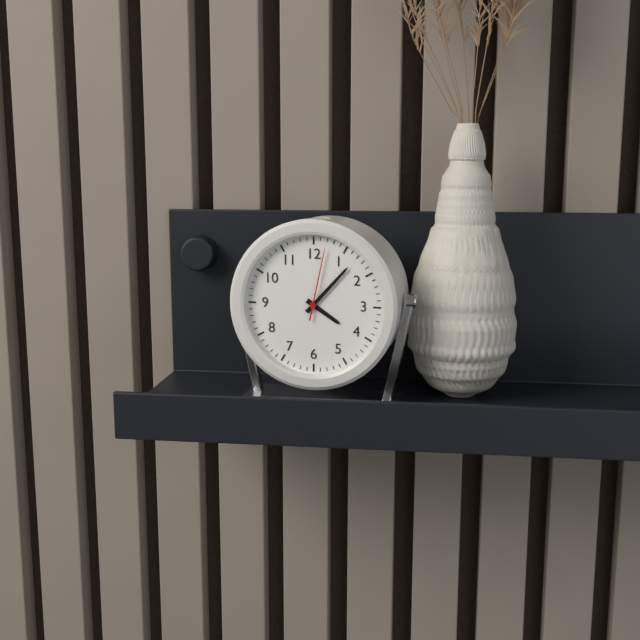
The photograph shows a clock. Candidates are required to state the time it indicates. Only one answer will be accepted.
4:07:02
